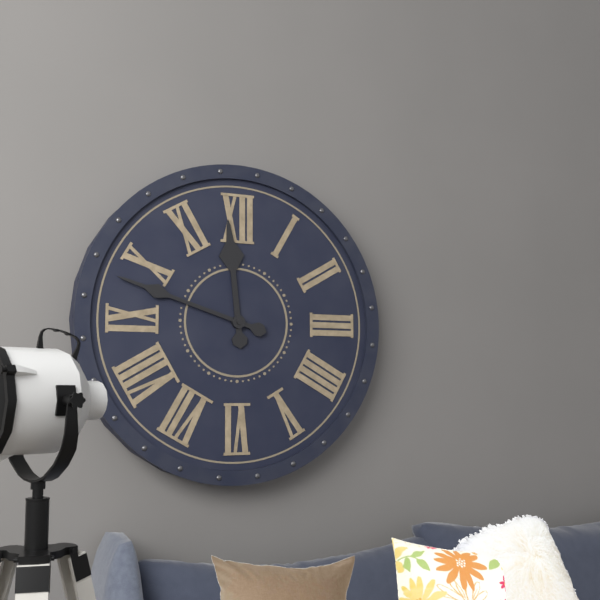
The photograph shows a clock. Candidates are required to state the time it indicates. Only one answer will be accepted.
11:48
